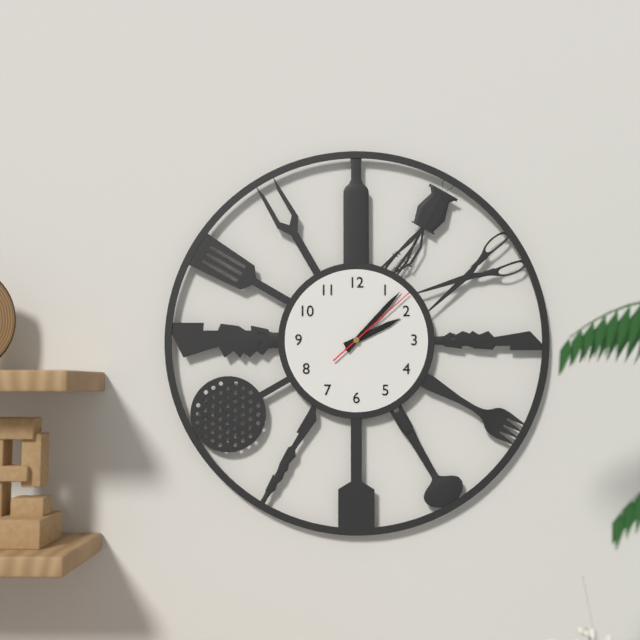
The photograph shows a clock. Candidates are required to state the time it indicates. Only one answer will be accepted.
2:07:08
